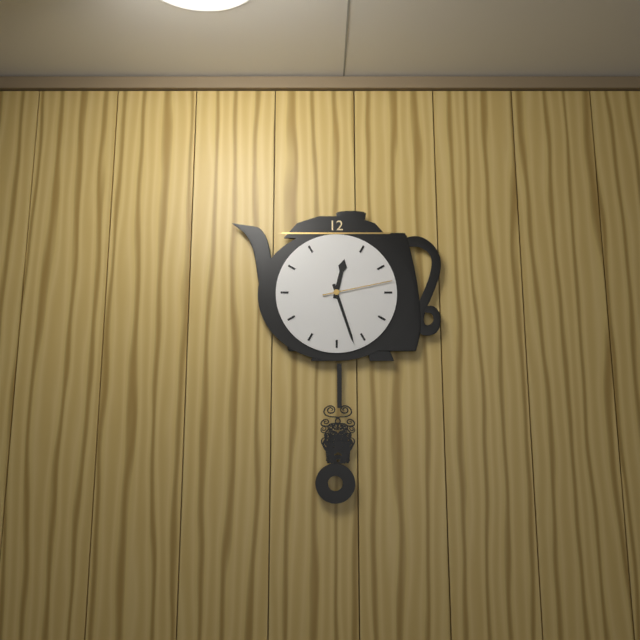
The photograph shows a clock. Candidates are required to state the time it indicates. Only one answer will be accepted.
12:27:13
